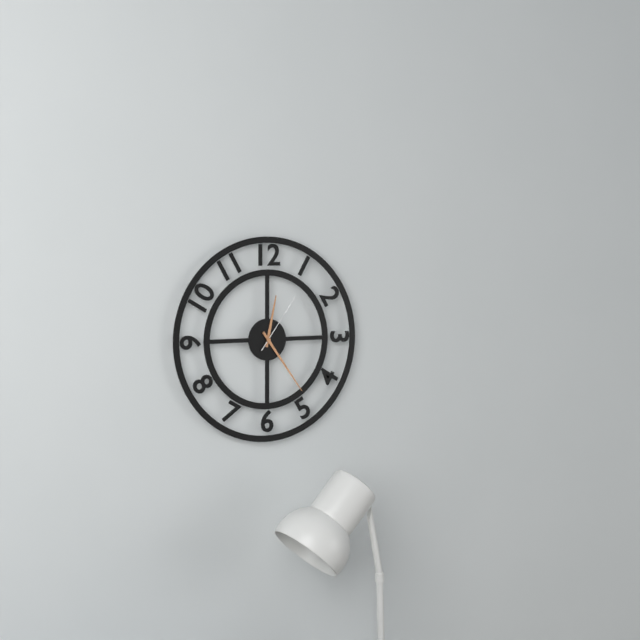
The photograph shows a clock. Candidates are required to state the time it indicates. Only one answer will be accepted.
12:24:06
